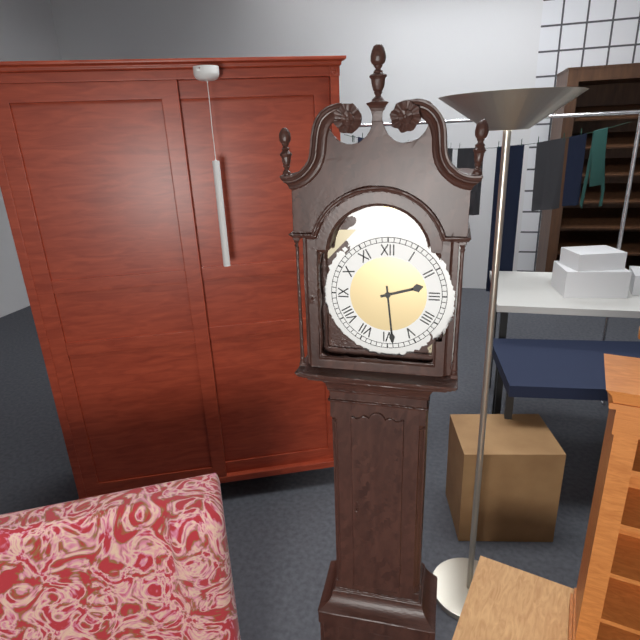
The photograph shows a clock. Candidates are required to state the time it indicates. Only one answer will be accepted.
2:29
